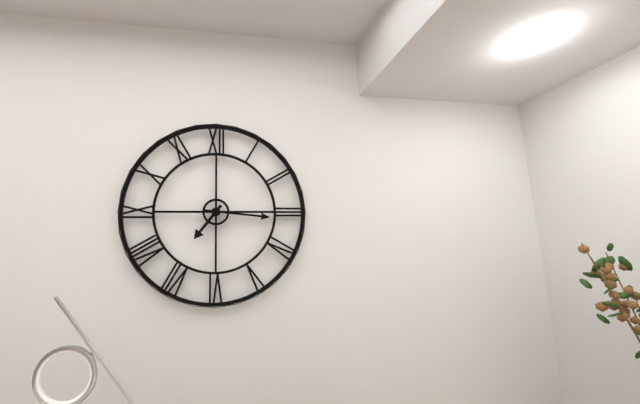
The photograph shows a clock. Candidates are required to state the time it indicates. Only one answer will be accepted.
7:16
